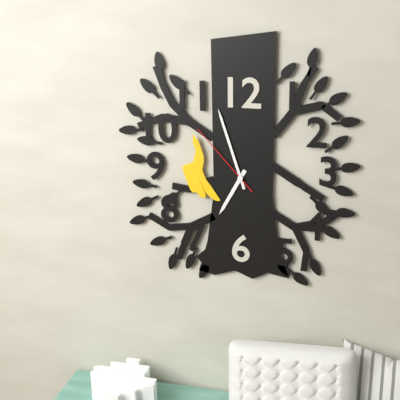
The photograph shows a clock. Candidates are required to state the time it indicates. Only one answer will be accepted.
6:57:53
